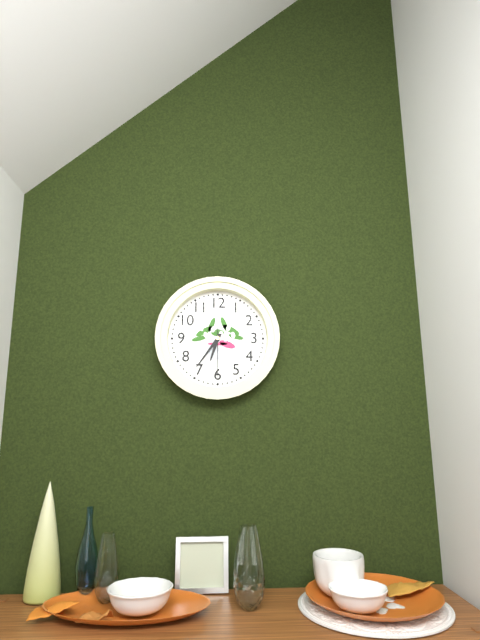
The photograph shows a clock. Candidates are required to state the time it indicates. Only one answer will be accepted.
6:36:30
